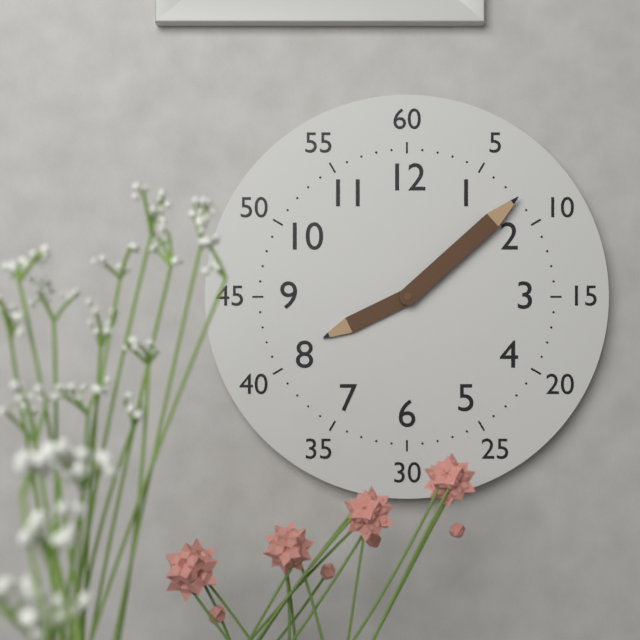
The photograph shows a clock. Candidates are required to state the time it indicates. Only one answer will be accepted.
8:08
